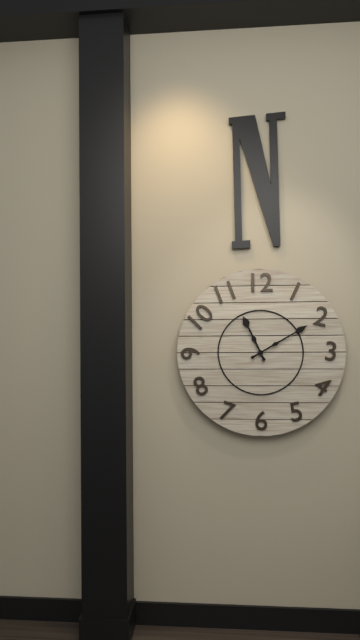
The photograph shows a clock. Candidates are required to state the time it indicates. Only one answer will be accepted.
11:10
